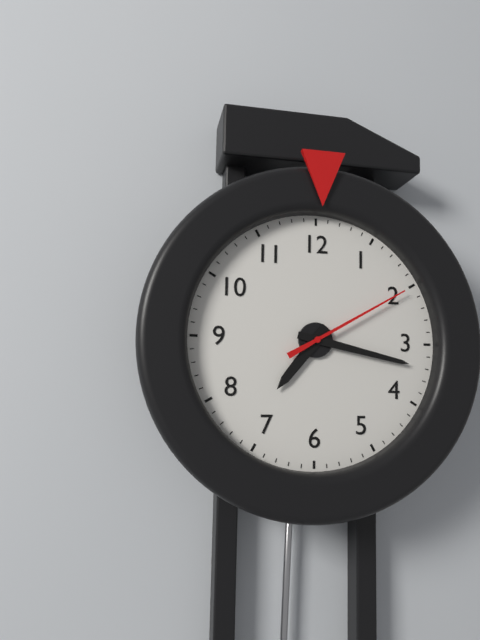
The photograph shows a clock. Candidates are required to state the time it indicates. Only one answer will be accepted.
7:17:10
